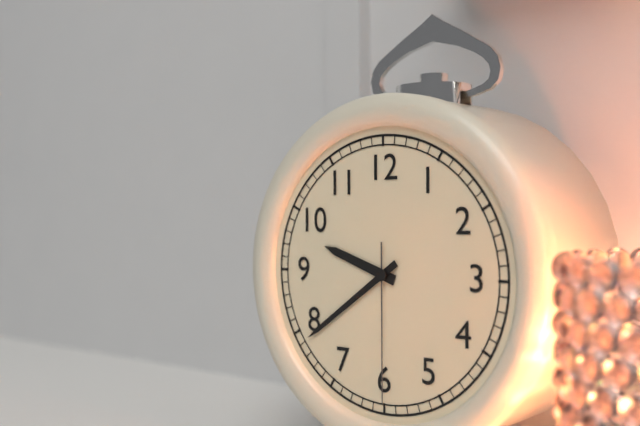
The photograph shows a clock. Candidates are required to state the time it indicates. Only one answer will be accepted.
9:39:30
